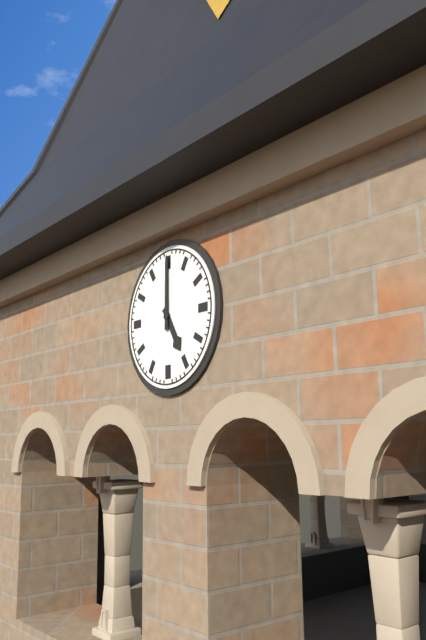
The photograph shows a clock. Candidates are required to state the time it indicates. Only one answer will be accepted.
5:00
